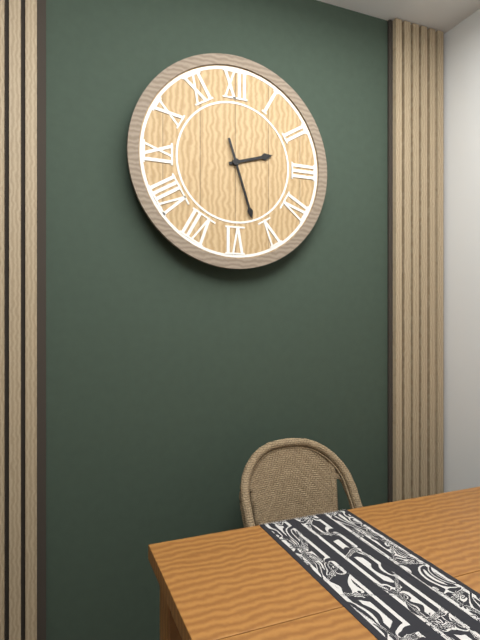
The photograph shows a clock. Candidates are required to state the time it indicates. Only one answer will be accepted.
2:27
